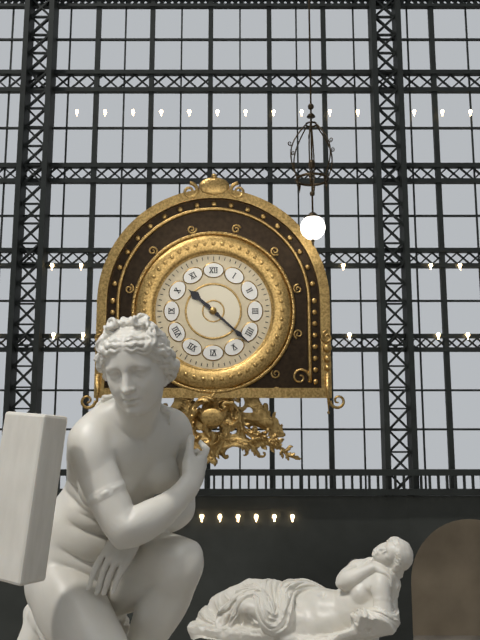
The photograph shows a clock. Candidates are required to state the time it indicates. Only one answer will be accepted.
10:22
